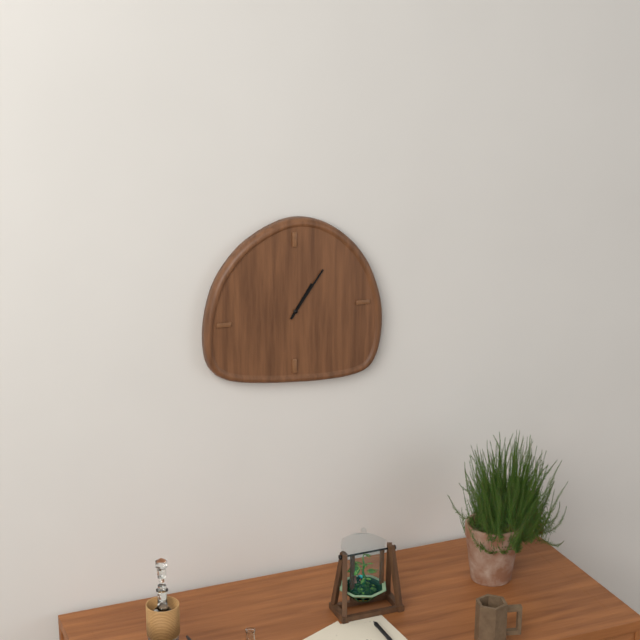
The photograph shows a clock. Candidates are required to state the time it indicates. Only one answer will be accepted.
1:06
